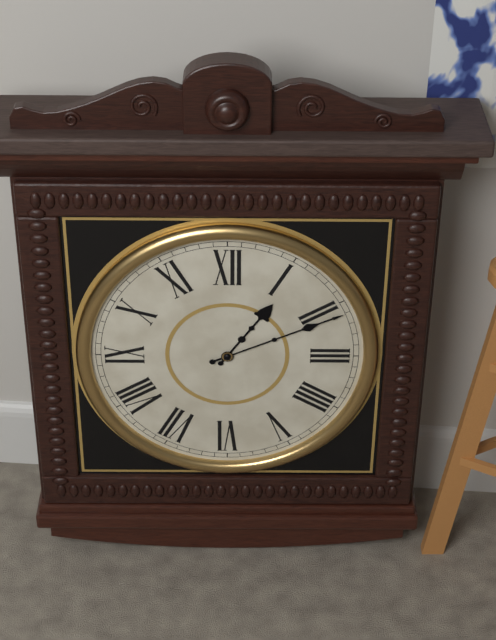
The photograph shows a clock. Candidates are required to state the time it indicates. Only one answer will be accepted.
1:11
